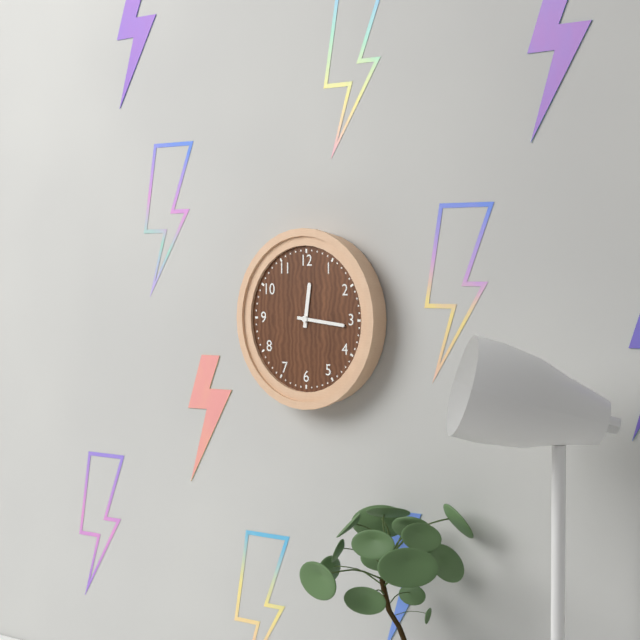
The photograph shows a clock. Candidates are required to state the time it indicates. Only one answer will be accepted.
12:16
